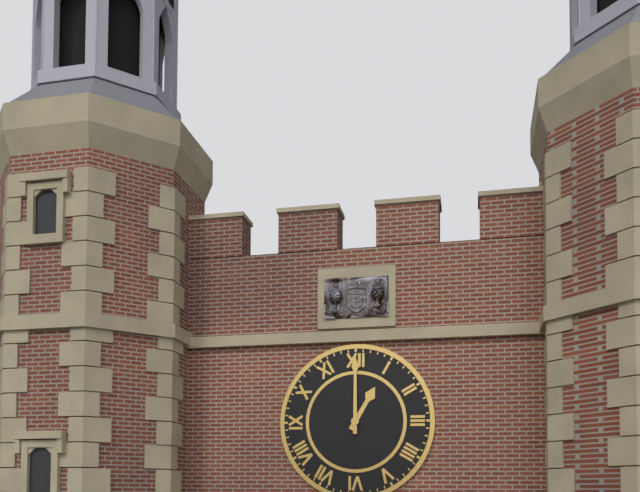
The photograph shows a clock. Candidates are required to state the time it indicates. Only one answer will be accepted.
1:00
